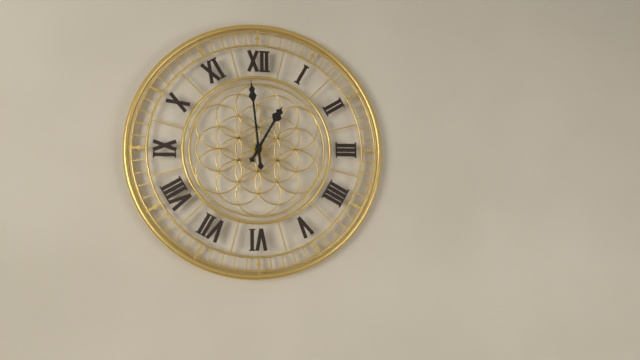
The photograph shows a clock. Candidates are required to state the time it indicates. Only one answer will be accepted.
12:59
